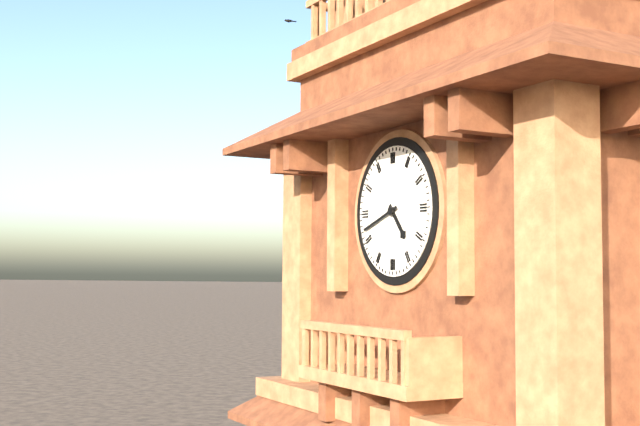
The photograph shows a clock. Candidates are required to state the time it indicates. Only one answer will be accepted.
4:42
